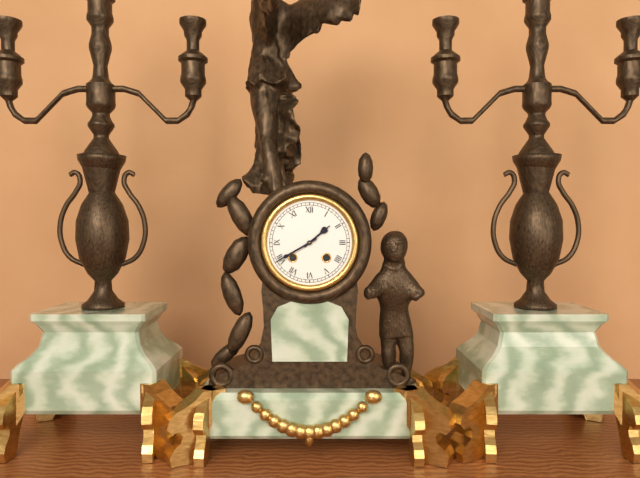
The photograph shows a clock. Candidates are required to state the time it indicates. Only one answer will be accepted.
1:40
